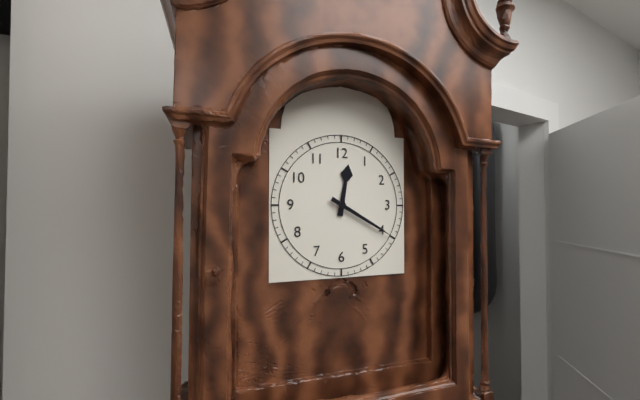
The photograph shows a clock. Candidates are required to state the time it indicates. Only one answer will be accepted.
12:20
